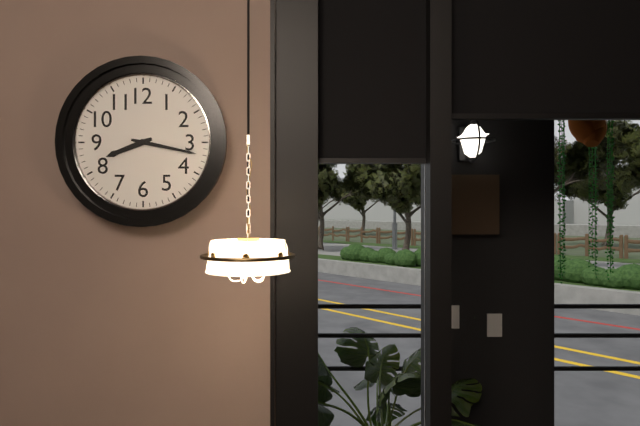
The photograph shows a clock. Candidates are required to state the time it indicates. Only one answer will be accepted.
8:17
